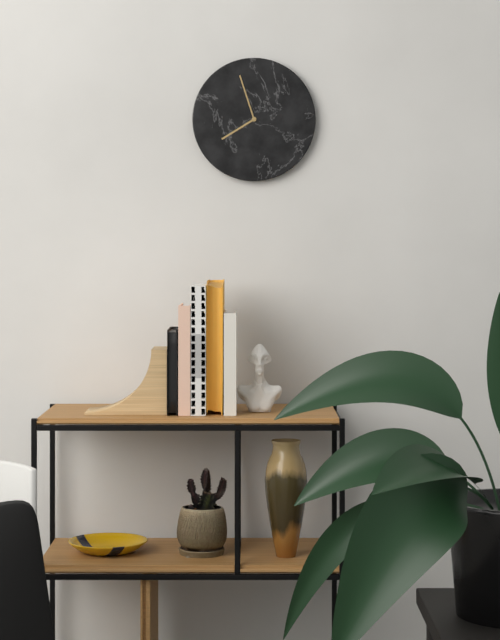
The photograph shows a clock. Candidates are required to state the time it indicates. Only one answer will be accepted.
7:57
